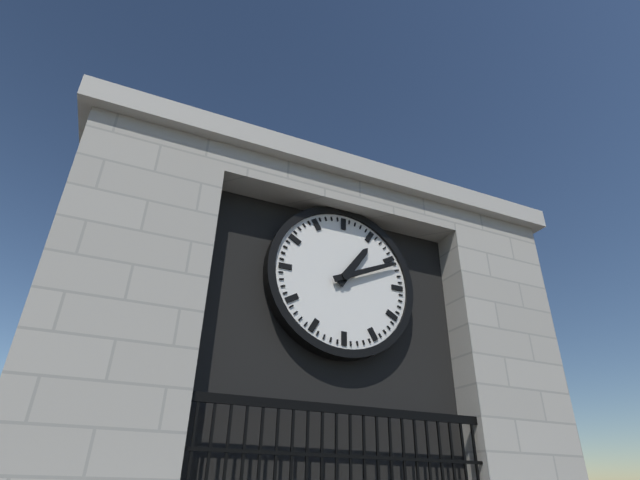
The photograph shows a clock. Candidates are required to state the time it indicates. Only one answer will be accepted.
1:11
